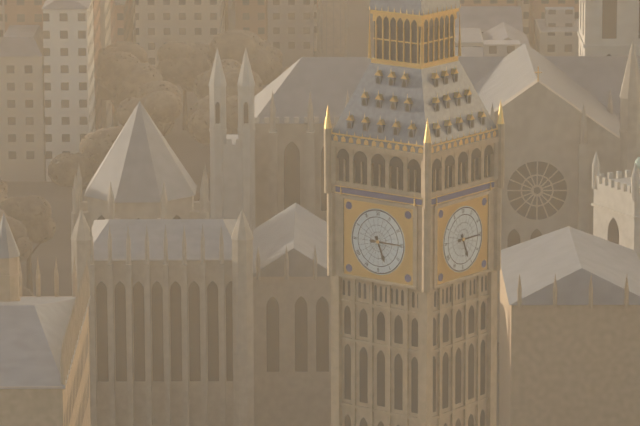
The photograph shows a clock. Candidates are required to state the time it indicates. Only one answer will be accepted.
5:15
